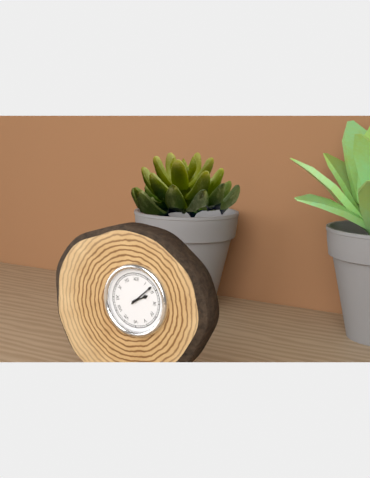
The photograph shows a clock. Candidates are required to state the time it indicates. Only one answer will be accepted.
2:08
